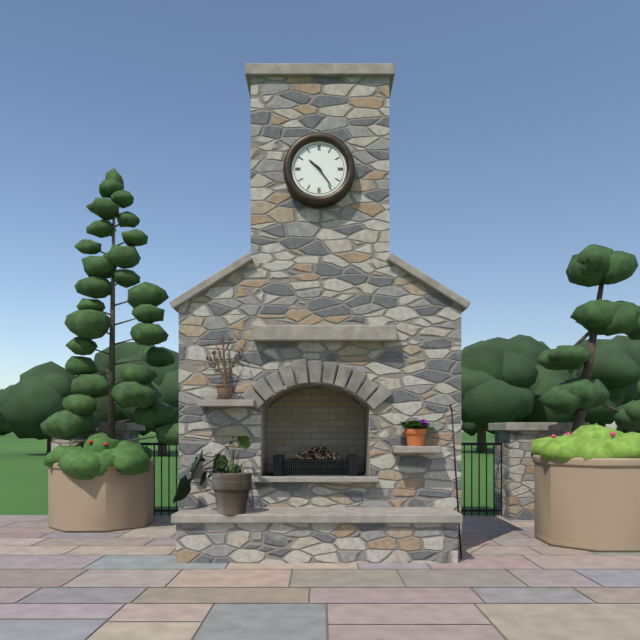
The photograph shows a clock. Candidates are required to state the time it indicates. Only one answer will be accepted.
10:24
